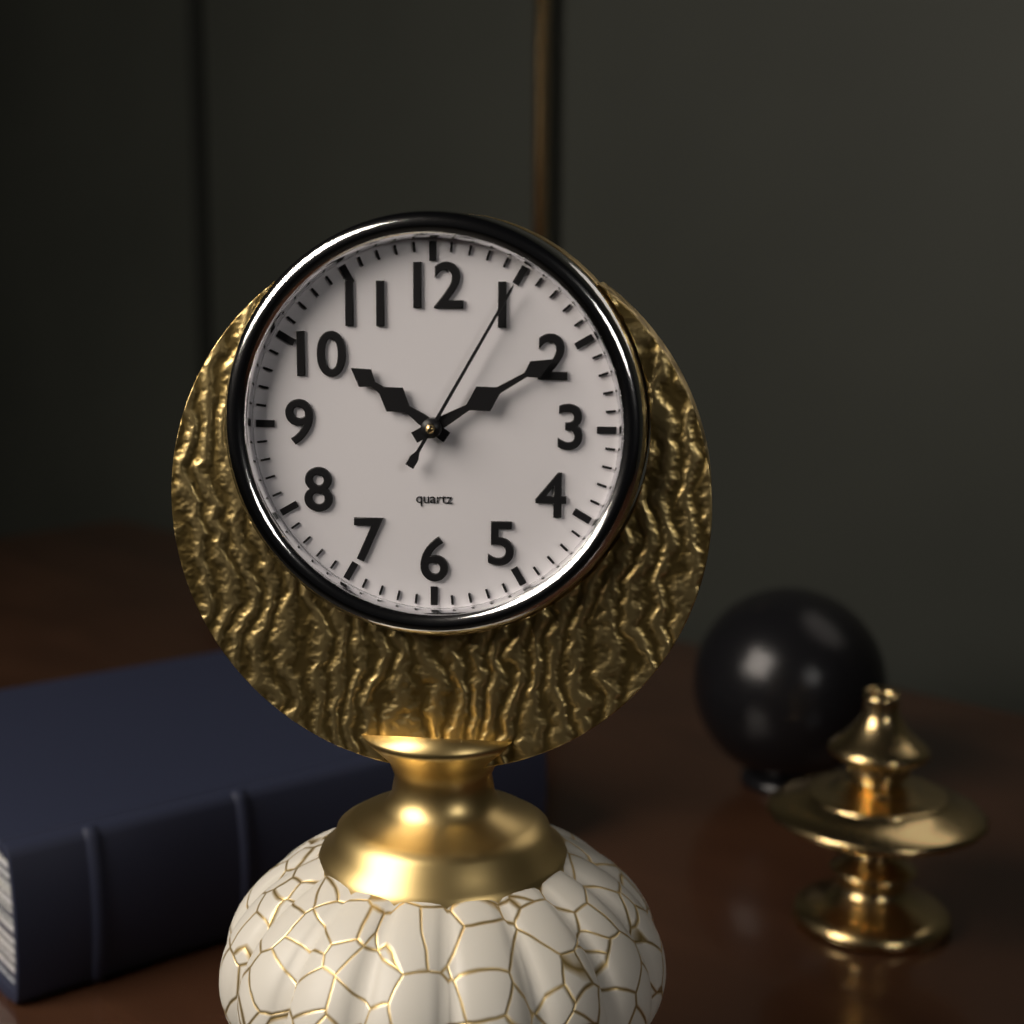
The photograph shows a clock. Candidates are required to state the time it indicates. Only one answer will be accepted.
10:10:05
